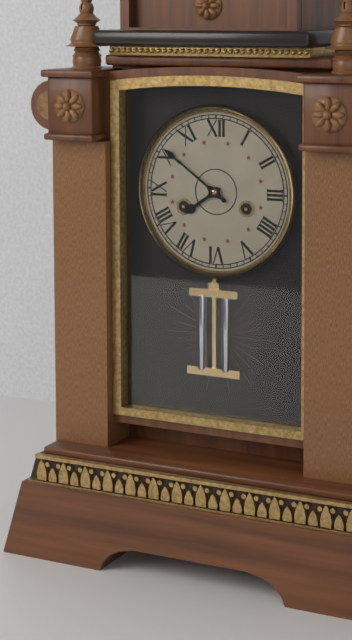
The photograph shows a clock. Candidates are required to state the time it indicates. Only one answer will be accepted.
7:51
